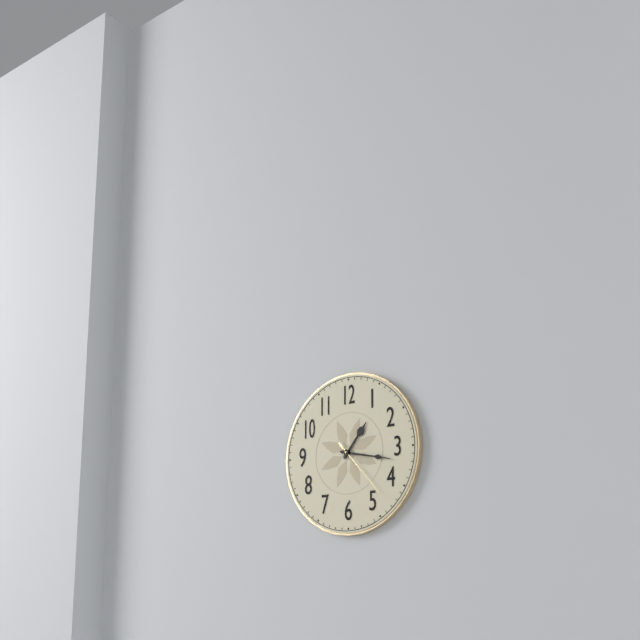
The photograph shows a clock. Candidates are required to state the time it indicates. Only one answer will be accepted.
1:17:23
